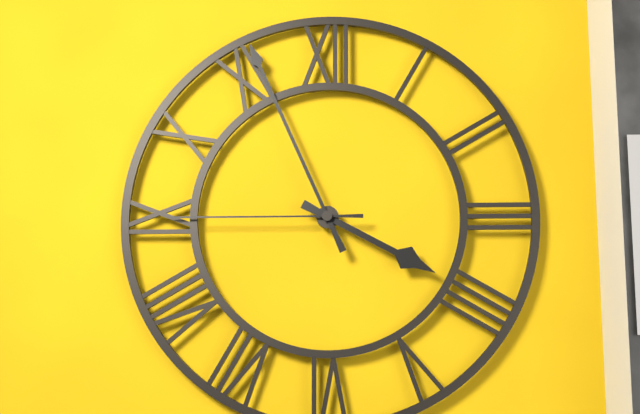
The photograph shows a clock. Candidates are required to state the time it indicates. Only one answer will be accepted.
3:56:45
